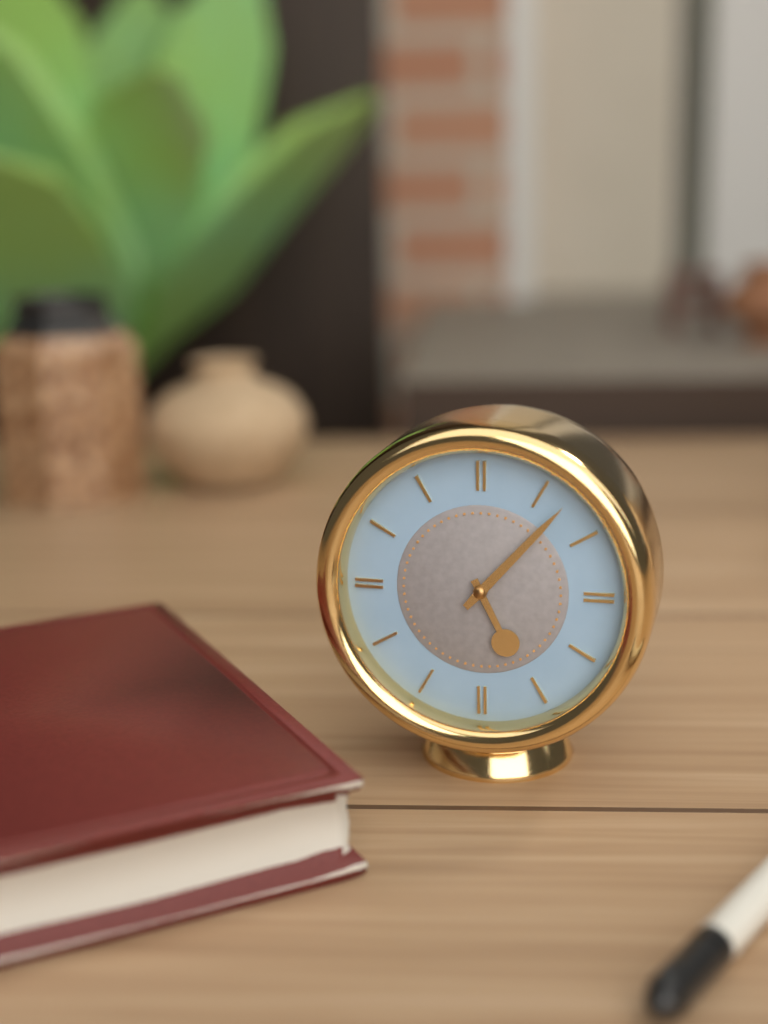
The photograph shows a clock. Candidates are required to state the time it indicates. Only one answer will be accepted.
5:07
